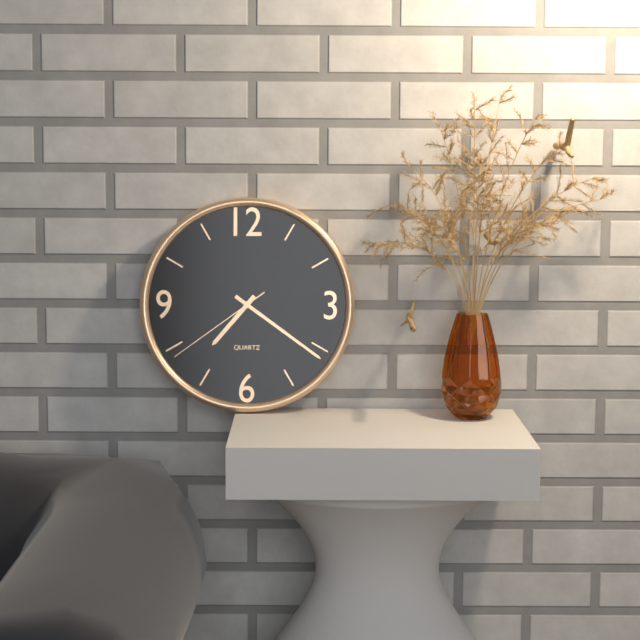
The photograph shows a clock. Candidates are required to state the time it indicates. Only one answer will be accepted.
7:21:39
